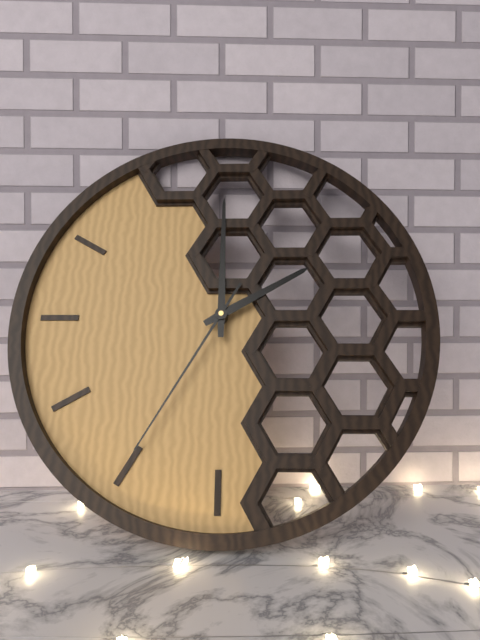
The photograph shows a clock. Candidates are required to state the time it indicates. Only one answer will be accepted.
2:00:35
